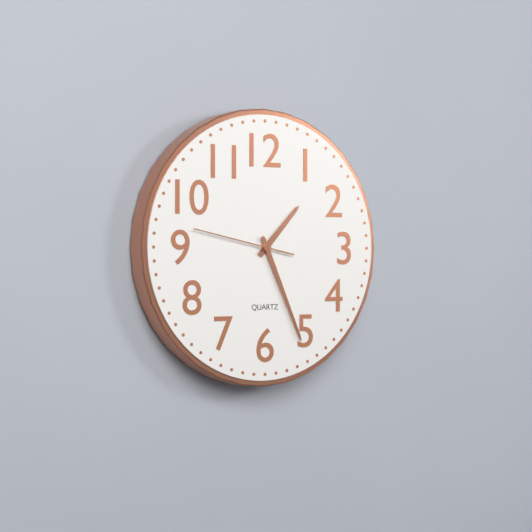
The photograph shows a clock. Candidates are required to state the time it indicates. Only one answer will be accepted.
1:26:47
